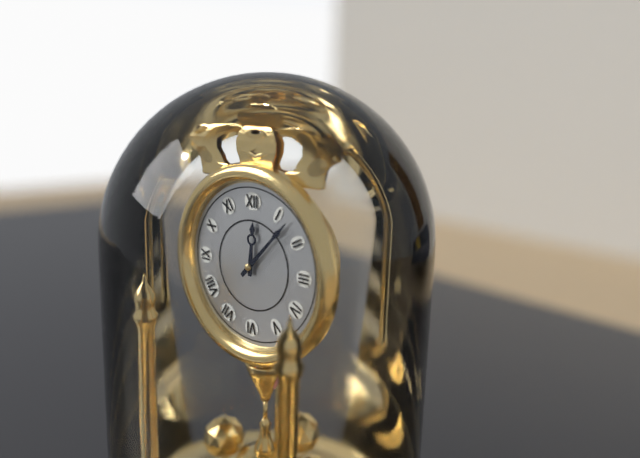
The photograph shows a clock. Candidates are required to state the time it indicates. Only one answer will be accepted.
12:07
